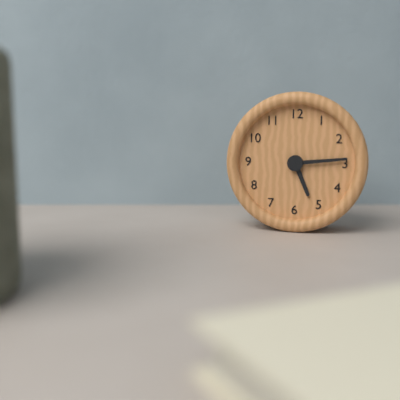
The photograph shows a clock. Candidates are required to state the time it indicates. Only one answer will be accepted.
5:14
